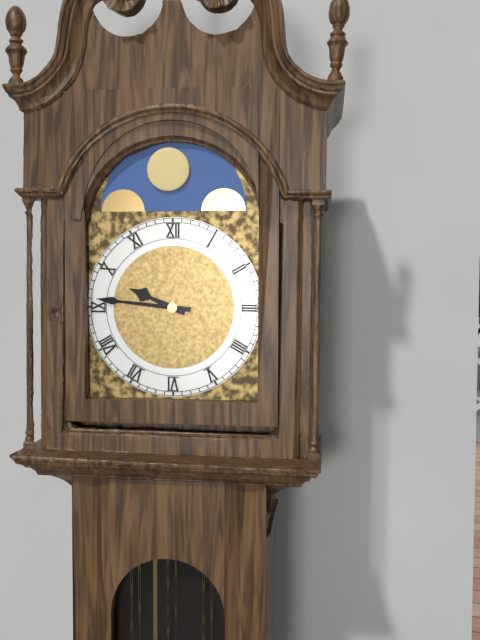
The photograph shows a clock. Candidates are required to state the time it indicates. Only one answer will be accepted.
9:46
